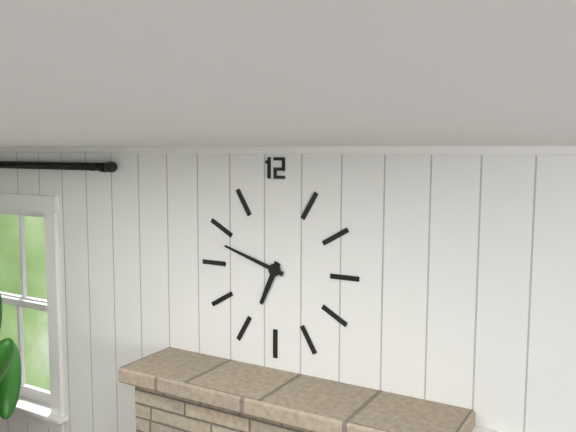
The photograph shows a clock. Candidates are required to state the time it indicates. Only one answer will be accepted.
6:48
